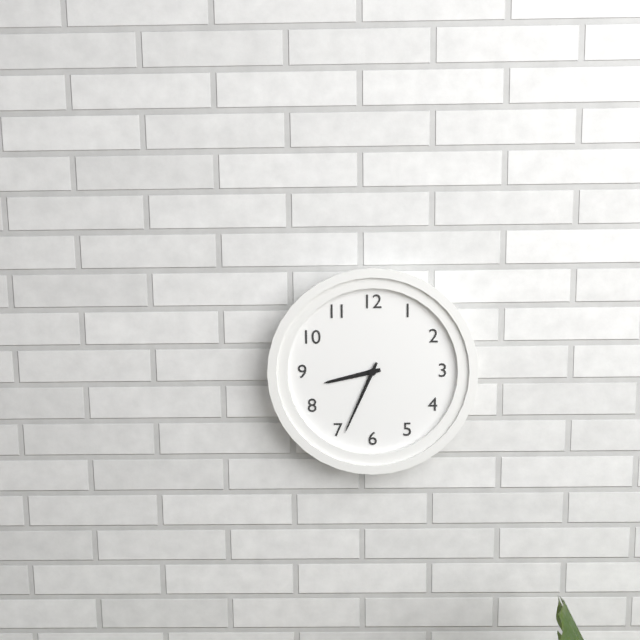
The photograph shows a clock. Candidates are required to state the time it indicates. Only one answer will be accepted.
8:34
